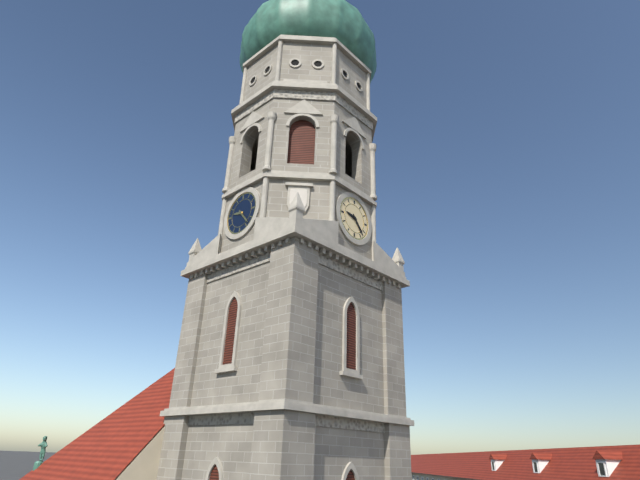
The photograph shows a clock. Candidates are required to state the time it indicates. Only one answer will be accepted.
9:23
